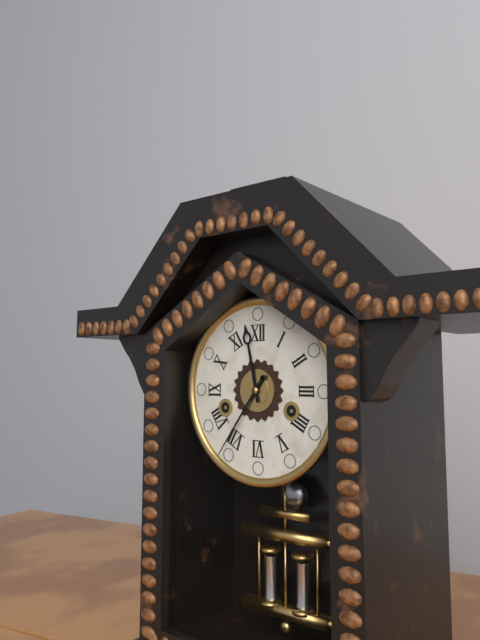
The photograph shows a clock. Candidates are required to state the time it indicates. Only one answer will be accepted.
11:36
